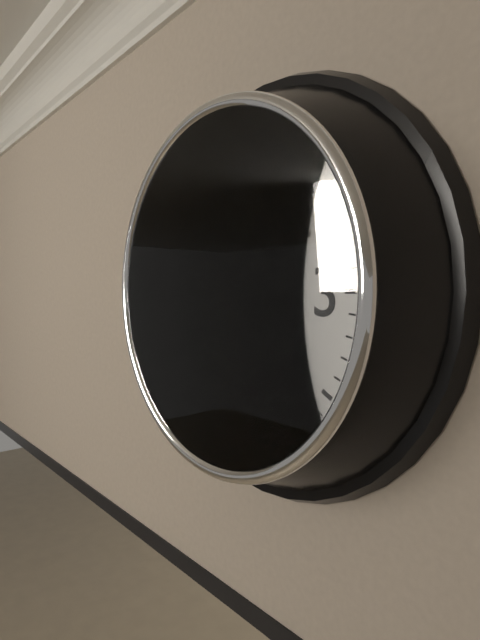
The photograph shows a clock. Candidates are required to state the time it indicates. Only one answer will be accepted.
1:02
